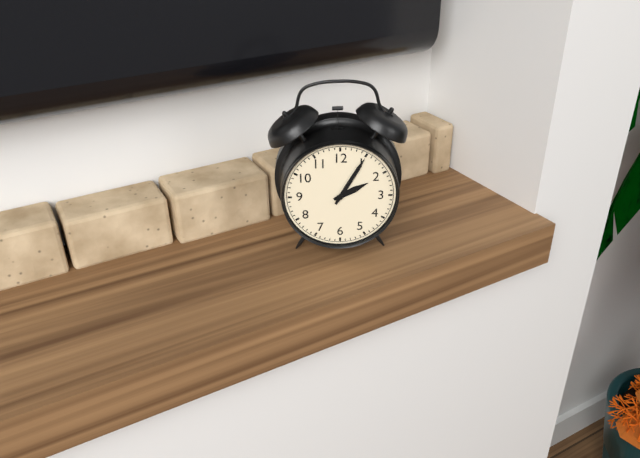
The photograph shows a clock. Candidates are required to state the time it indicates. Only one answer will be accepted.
2:05
